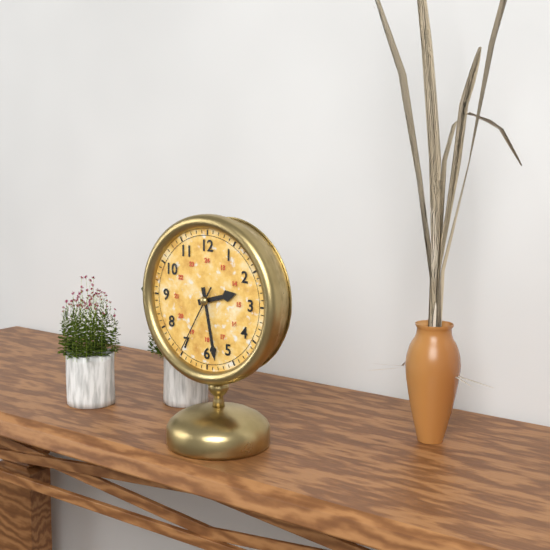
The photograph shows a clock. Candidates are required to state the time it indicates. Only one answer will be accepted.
2:28:35
